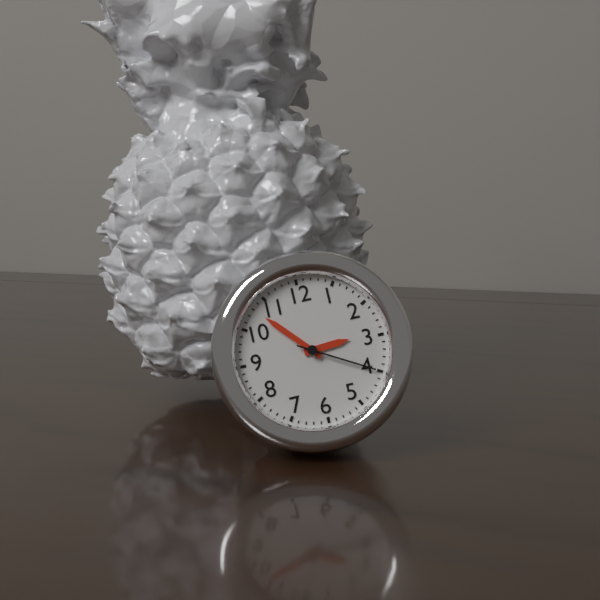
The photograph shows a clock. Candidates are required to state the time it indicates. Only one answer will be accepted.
2:53:20
